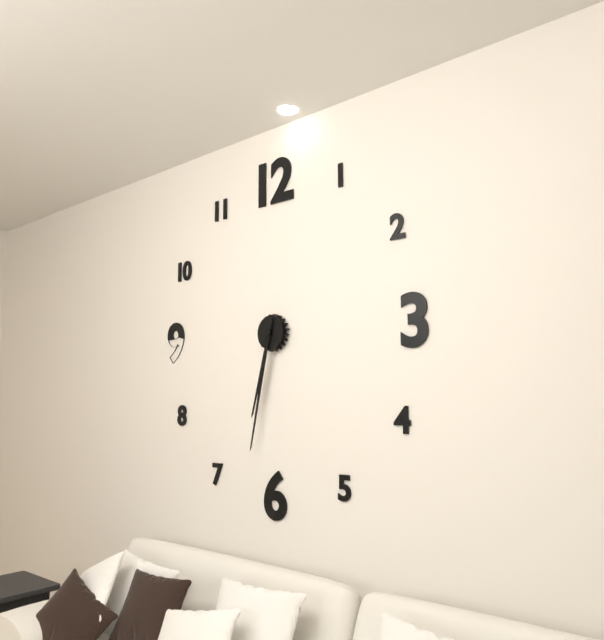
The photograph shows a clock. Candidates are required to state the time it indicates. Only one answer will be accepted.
6:32
